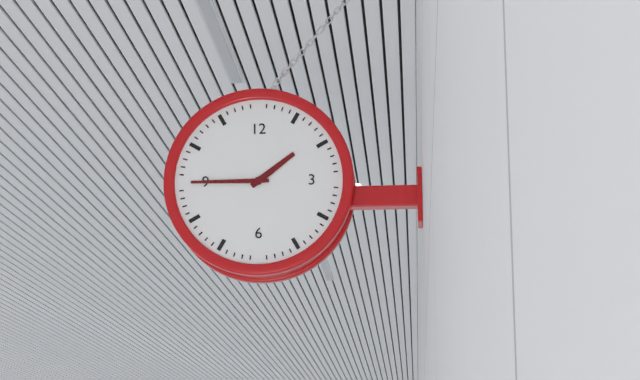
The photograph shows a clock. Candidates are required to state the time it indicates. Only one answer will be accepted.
1:45
